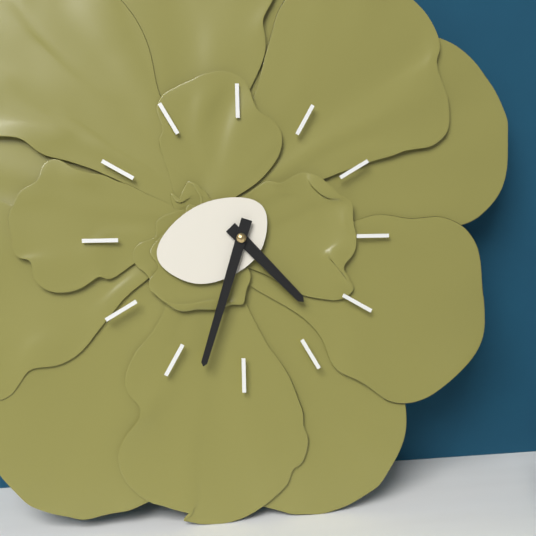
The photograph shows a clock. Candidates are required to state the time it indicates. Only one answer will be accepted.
4:33
